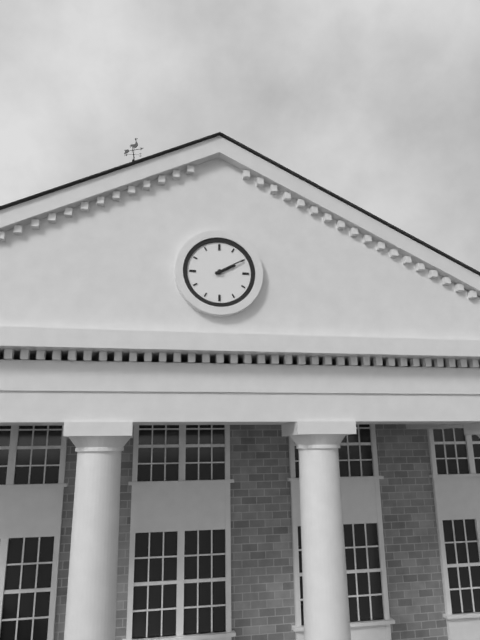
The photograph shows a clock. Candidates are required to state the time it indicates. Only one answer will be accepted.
2:10
